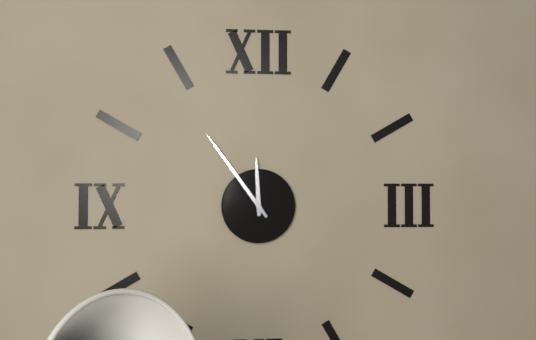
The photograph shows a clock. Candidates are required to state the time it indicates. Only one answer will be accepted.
11:54
